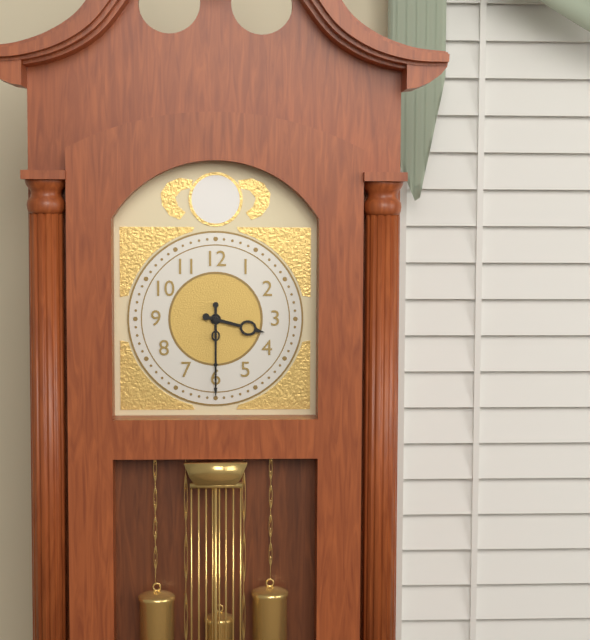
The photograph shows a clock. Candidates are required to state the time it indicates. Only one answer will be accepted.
3:30
